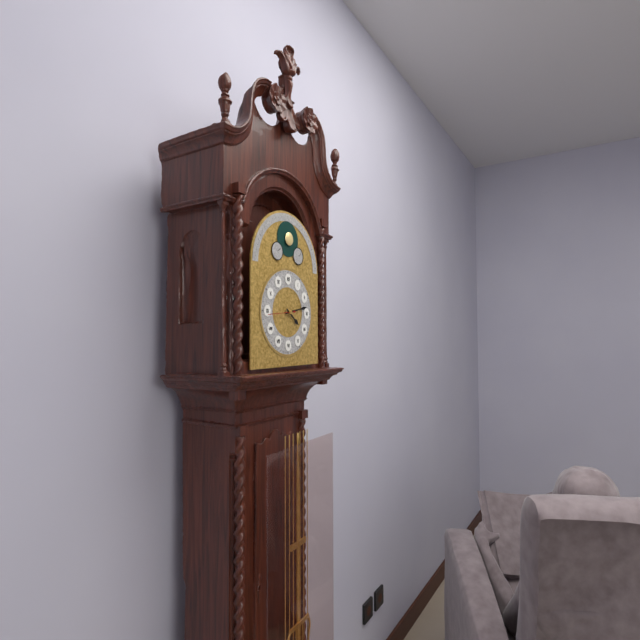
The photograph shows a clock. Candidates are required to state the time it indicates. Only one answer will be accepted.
4:13
